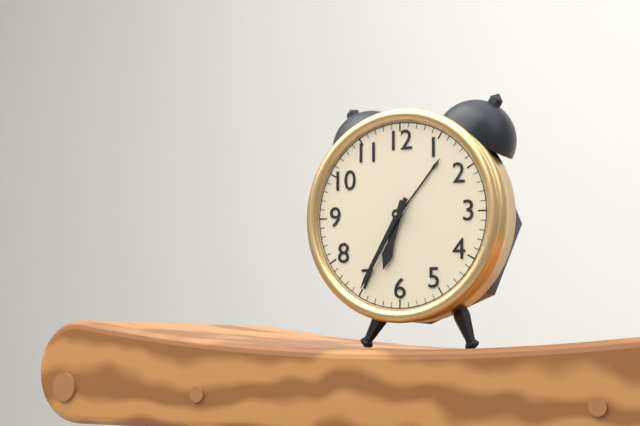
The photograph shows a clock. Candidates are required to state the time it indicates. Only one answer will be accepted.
6:35
